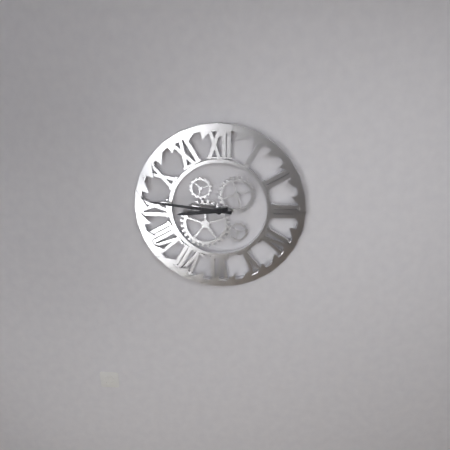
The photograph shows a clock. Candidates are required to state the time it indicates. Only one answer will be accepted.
8:46
